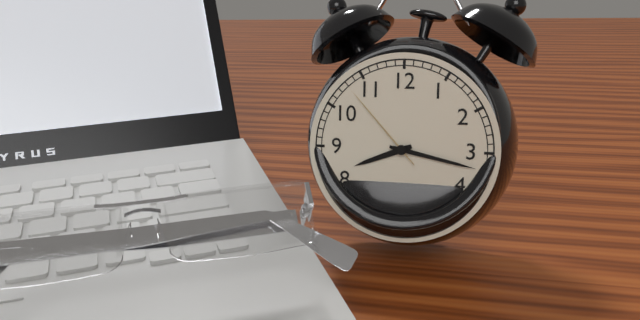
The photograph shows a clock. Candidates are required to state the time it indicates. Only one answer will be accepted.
8:17:53
